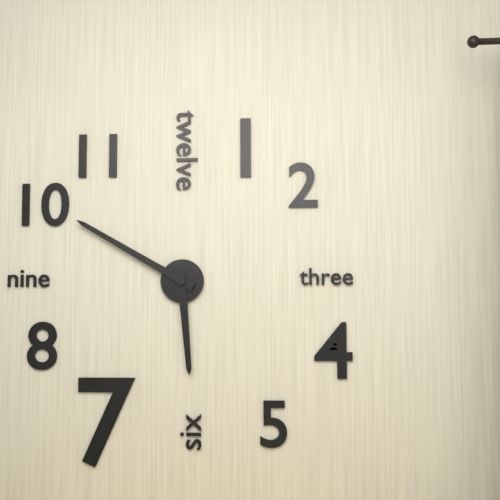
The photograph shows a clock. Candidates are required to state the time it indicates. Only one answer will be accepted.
5:50
